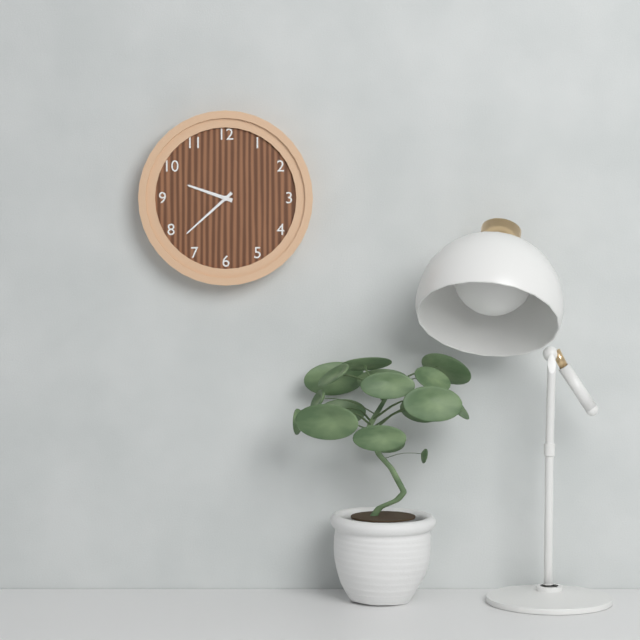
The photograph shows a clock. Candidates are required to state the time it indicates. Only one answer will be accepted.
9:38
